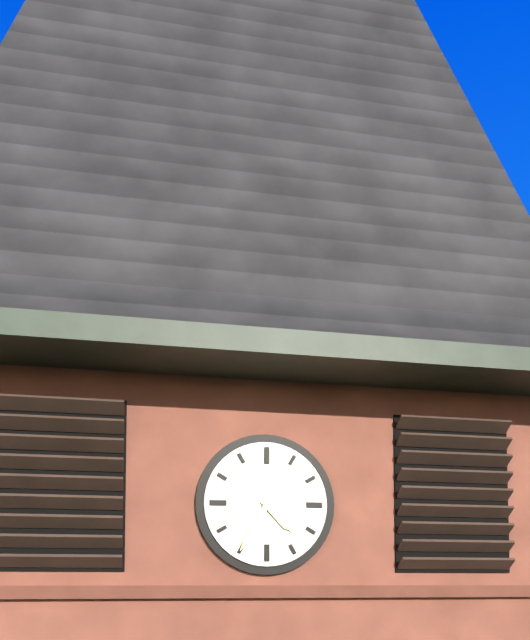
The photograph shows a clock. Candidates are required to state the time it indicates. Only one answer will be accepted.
4:35
